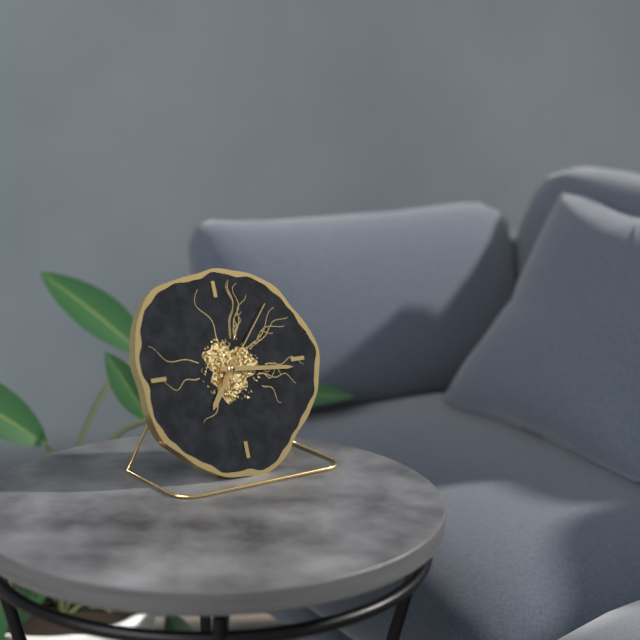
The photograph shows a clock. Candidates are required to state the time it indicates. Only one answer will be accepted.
7:16:07
